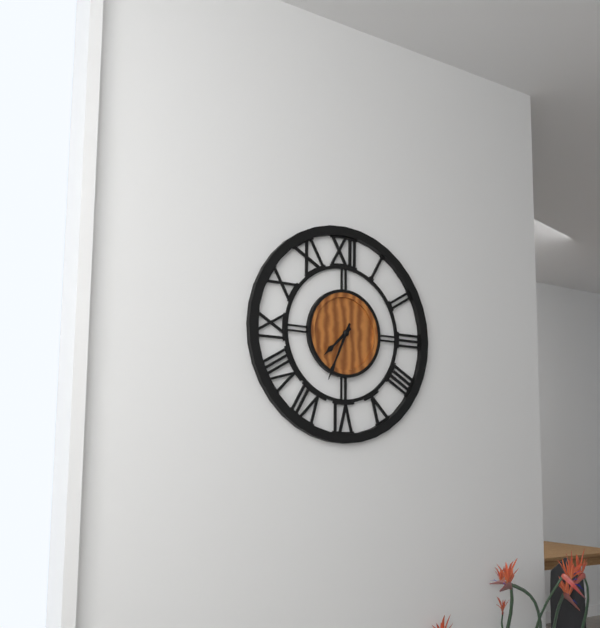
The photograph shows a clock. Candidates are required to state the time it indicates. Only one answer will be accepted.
7:34
